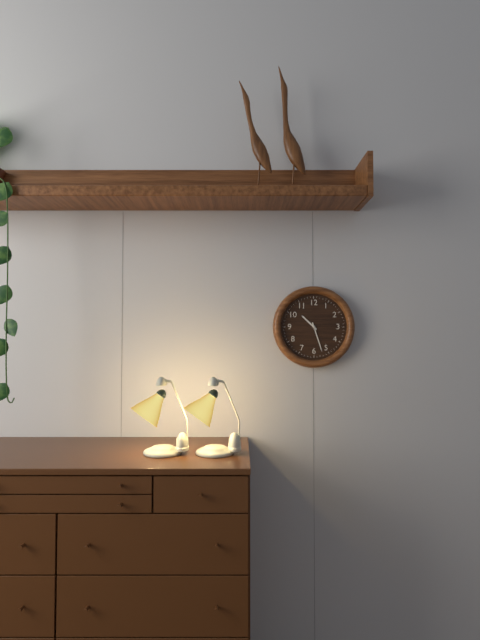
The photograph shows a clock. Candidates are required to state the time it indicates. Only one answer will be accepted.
10:27
